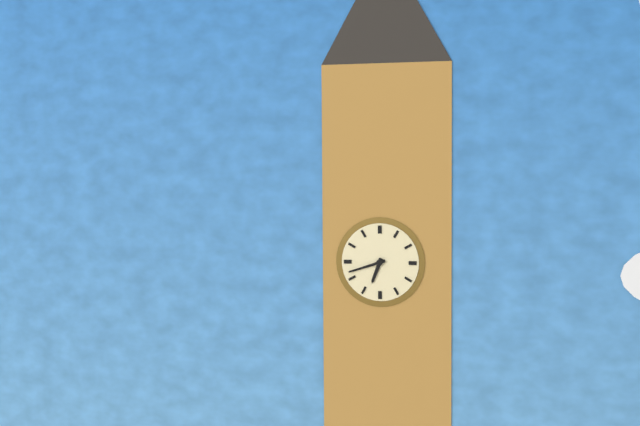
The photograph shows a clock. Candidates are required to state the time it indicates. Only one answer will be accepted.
6:42
